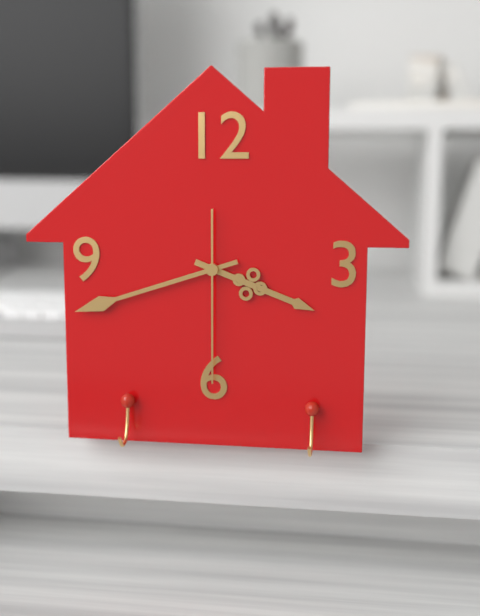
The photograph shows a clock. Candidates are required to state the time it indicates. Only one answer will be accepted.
3:42:30
